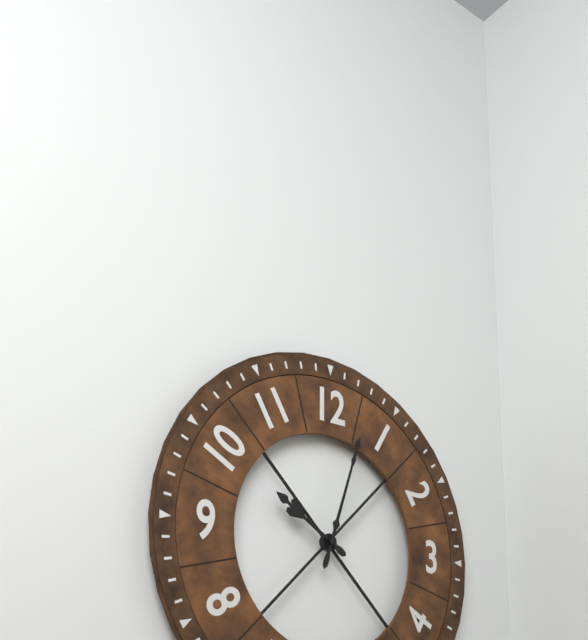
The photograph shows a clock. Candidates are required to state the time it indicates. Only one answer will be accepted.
10:03
